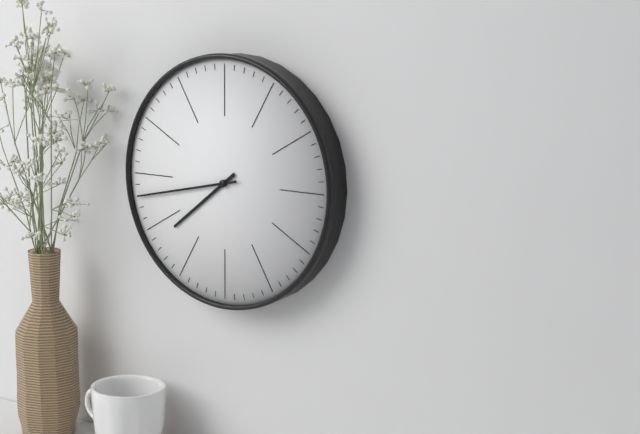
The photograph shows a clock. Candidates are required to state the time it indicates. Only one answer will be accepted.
7:43
